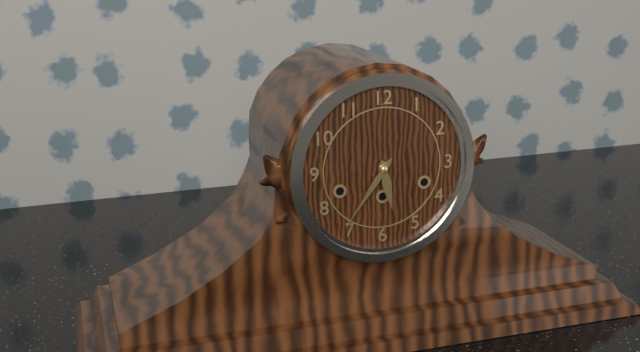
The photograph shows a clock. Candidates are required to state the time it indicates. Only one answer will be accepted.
5:36
